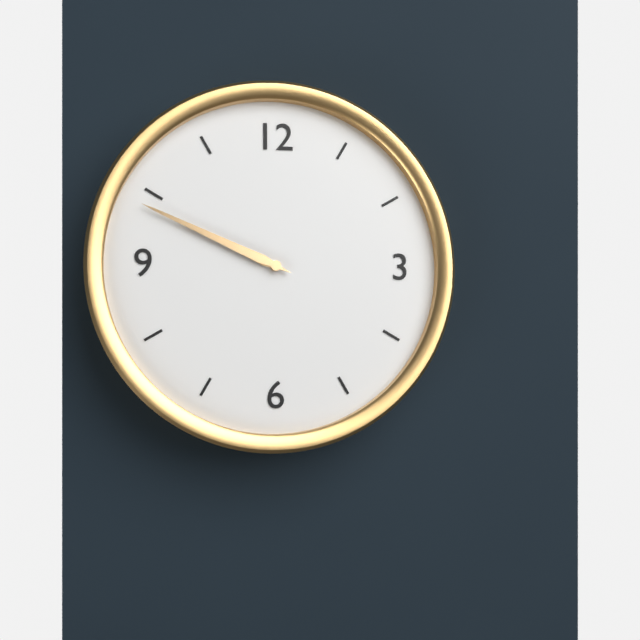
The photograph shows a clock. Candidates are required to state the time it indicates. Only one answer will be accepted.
9:49
